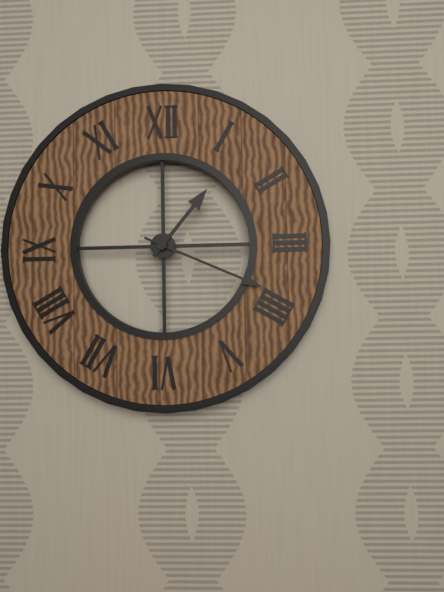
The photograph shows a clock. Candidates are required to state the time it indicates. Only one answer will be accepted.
1:19
